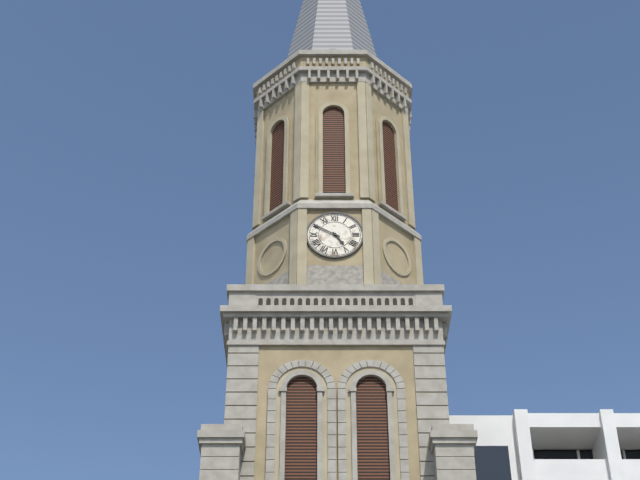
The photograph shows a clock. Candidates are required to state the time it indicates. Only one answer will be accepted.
4:50
